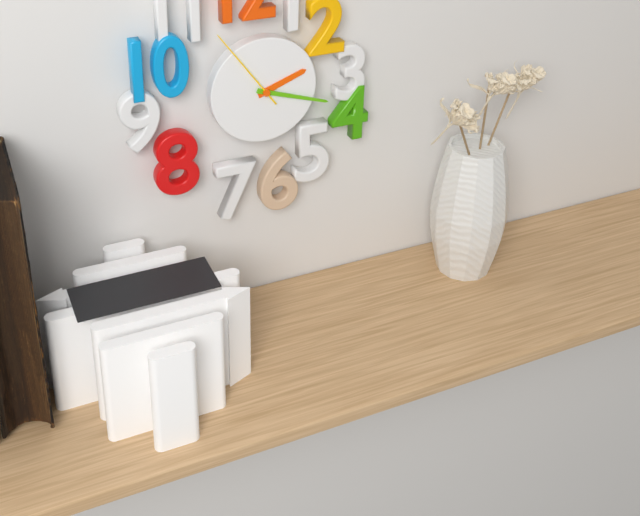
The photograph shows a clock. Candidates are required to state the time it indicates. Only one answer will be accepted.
2:18:54
